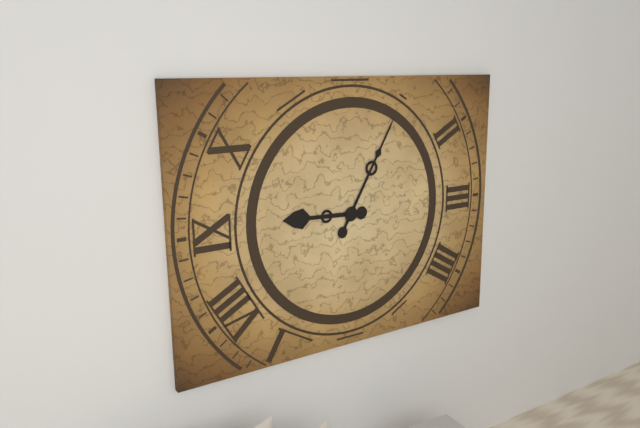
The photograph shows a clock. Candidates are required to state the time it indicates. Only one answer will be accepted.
9:05
